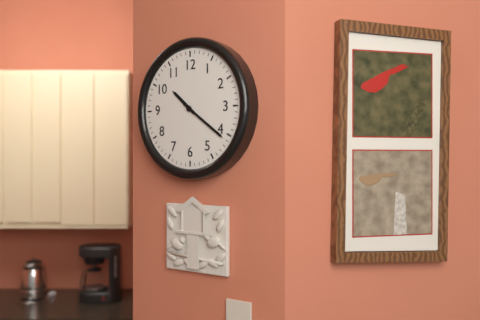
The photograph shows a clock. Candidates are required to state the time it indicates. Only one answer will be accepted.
10:21
